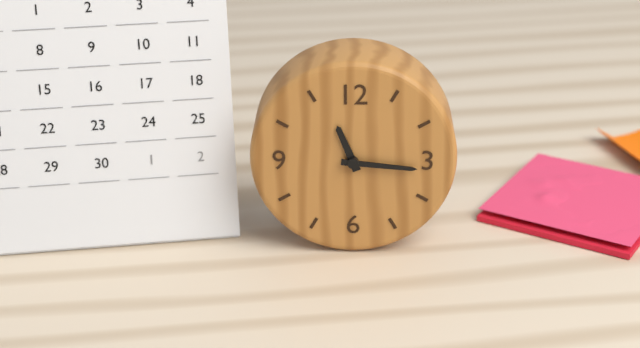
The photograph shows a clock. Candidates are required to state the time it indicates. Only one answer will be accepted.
11:16
